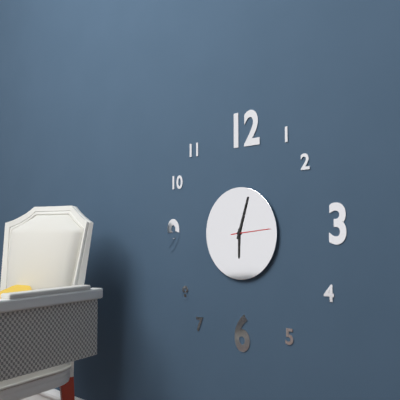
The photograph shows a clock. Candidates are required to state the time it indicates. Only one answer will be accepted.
6:03
